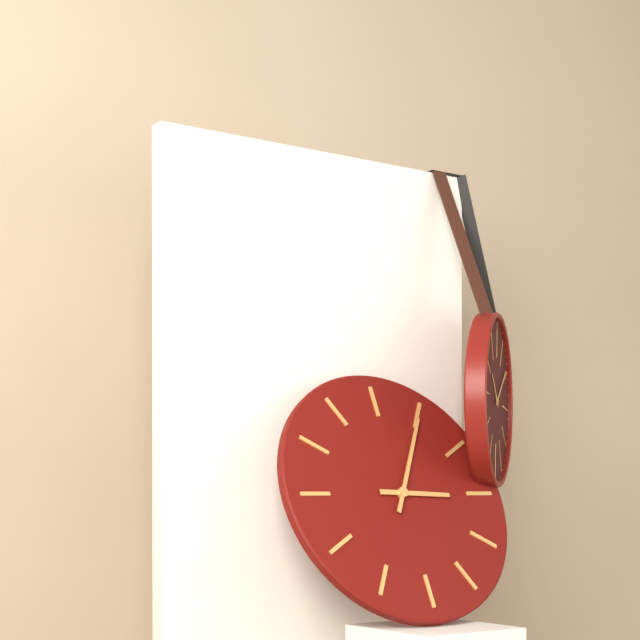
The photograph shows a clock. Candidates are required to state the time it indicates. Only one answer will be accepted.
3:05
